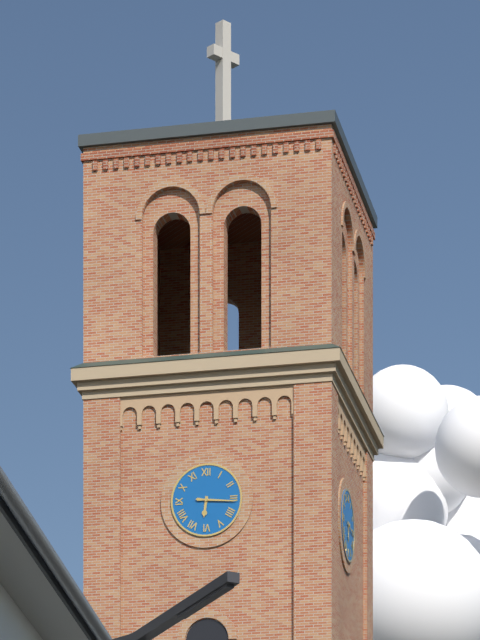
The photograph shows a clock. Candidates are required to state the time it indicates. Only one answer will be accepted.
6:16
